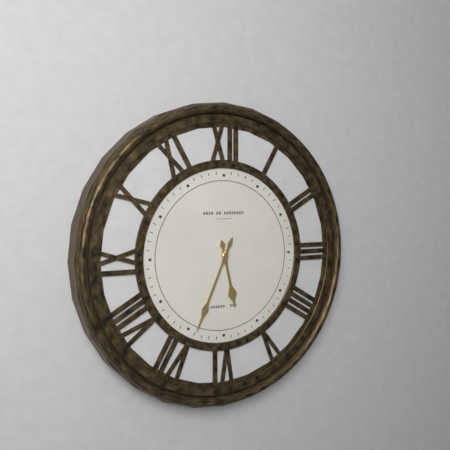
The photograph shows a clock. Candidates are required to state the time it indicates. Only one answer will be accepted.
5:34
